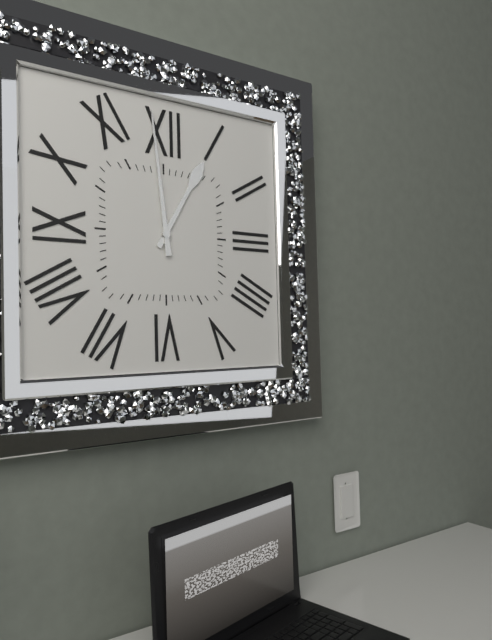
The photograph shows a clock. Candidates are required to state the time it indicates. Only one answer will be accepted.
12:59
